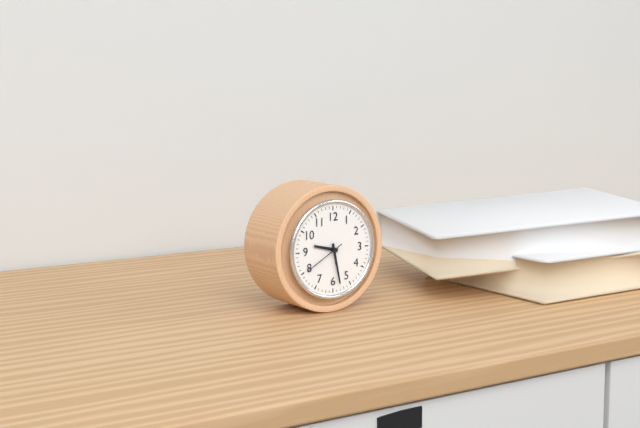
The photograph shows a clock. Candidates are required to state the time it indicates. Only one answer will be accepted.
9:28
